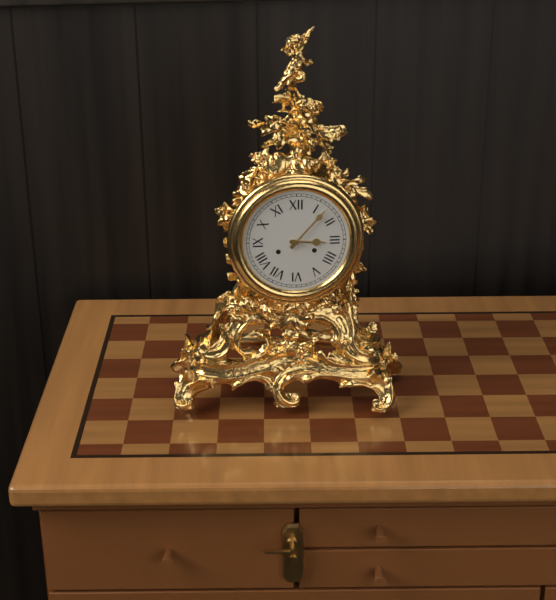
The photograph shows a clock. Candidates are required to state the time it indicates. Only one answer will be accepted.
3:07
